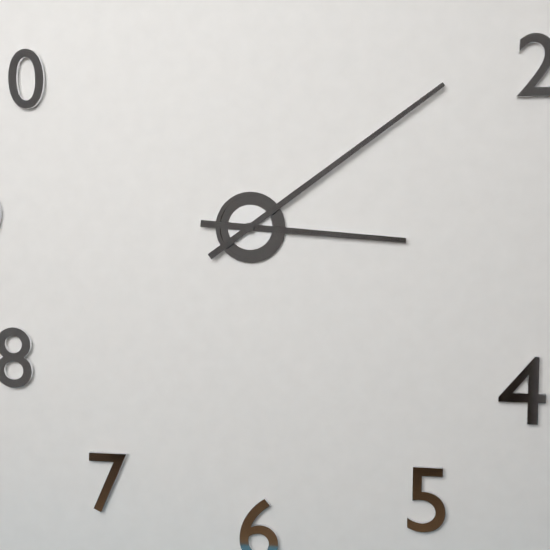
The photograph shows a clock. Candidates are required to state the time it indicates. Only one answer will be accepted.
3:09
